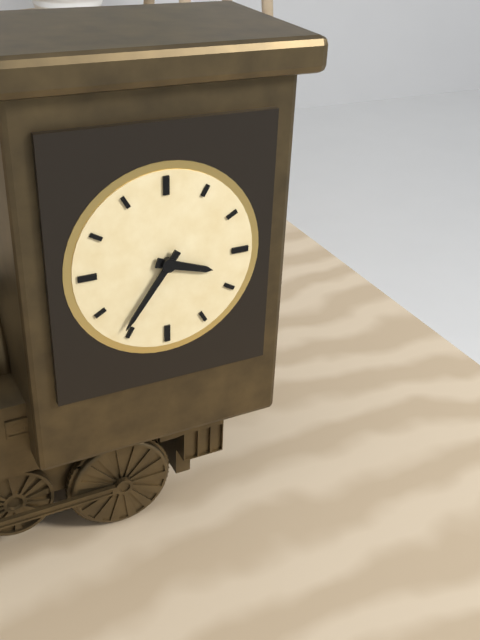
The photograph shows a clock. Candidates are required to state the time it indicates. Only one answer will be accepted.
3:36
